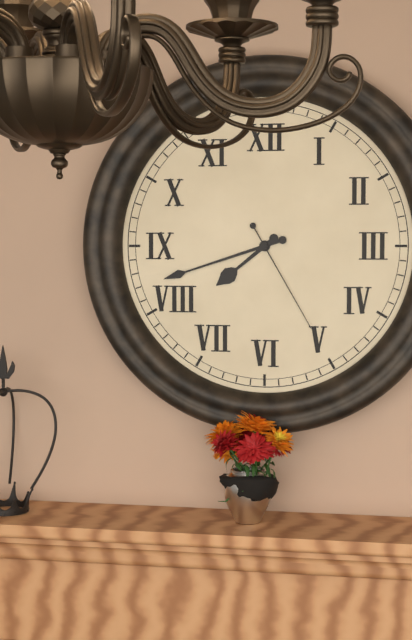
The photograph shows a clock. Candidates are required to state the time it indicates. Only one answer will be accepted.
7:42:25
